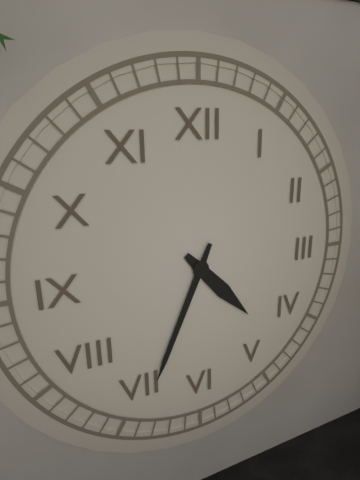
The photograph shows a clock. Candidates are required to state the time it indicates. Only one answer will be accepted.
4:34
